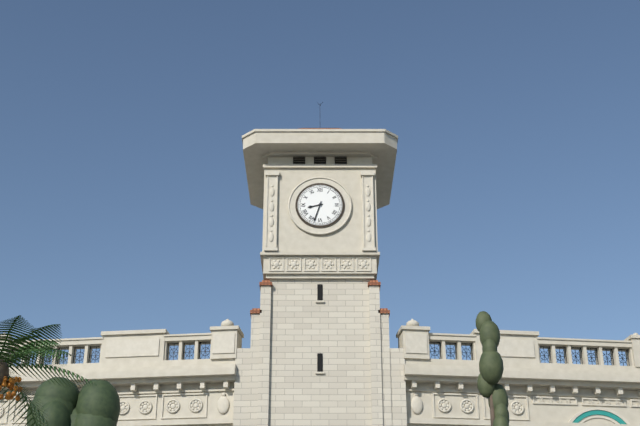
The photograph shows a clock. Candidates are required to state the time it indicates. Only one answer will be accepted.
8:33
